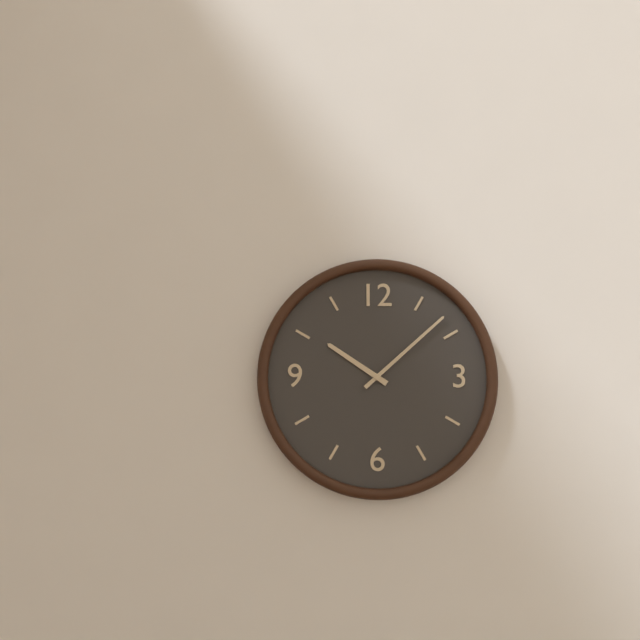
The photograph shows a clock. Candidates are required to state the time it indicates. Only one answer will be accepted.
10:08
